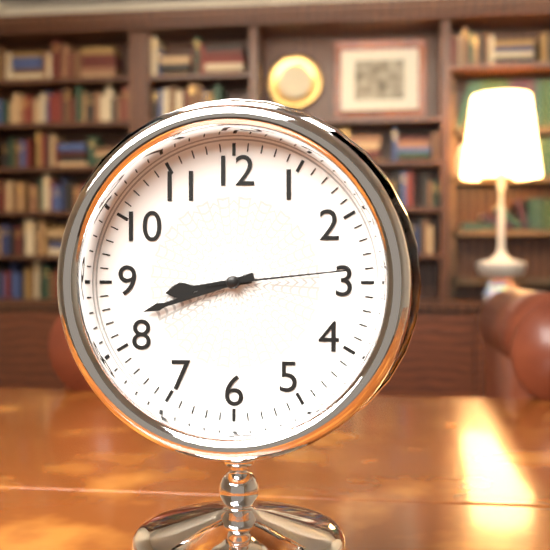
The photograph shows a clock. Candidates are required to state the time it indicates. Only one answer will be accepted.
8:42:14
